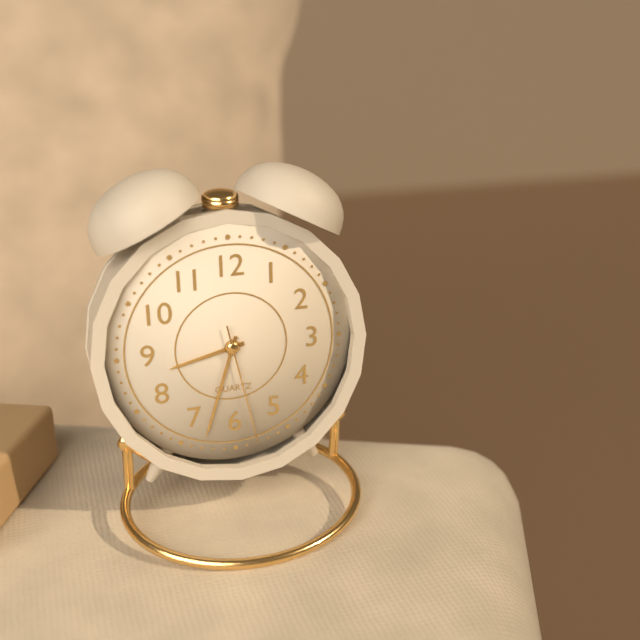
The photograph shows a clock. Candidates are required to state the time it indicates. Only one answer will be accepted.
8:33:28
